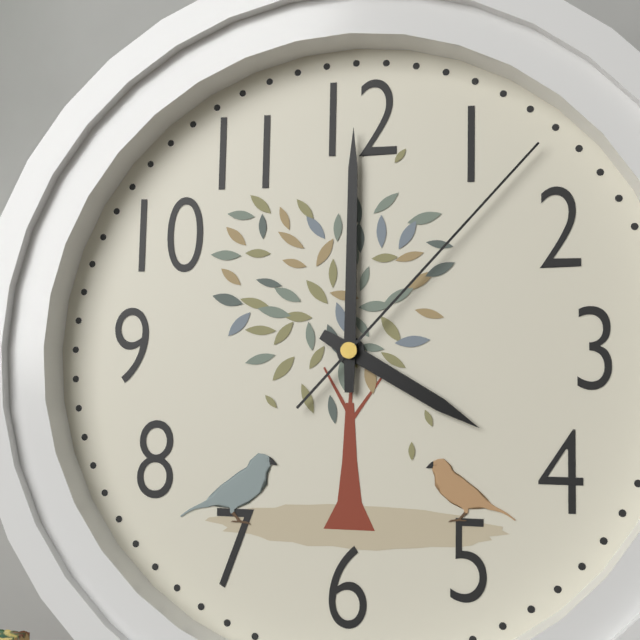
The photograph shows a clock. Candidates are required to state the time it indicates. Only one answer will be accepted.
4:00:07
